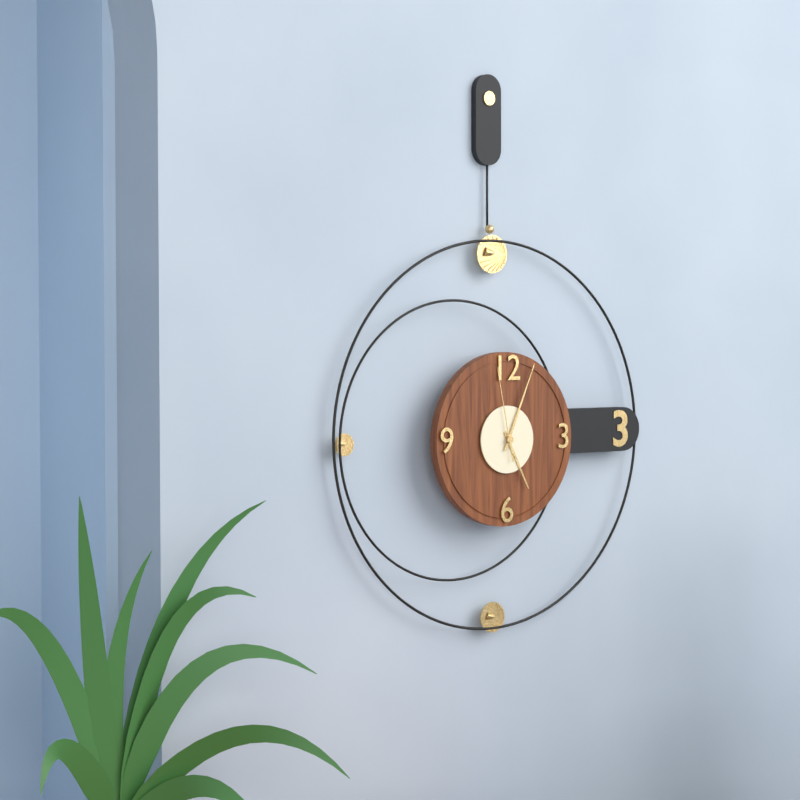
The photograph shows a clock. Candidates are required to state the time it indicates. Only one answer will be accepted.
5:04:58
